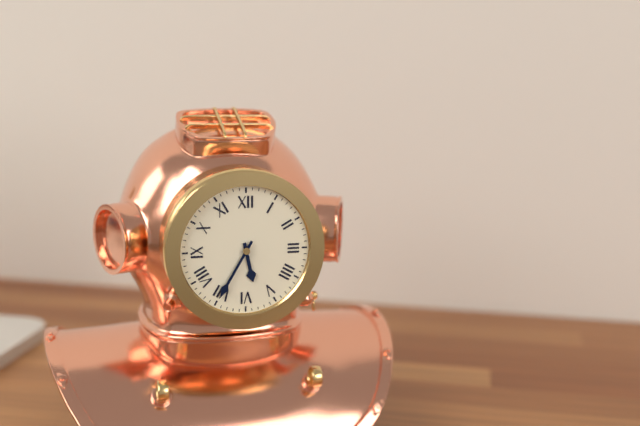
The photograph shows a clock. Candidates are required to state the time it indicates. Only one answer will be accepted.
5:35
